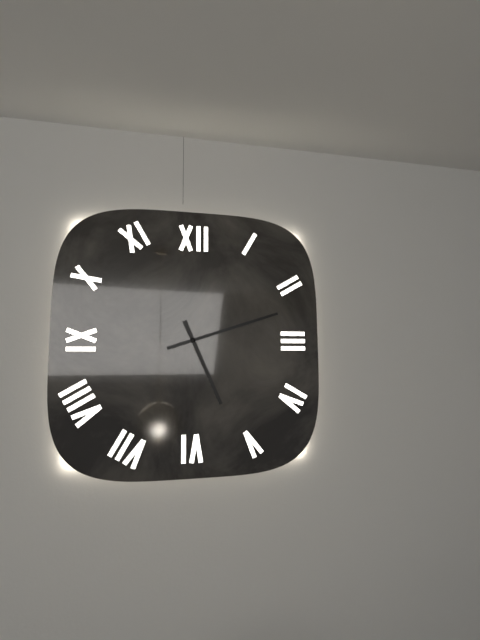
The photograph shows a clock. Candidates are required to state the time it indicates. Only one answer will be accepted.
5:12
